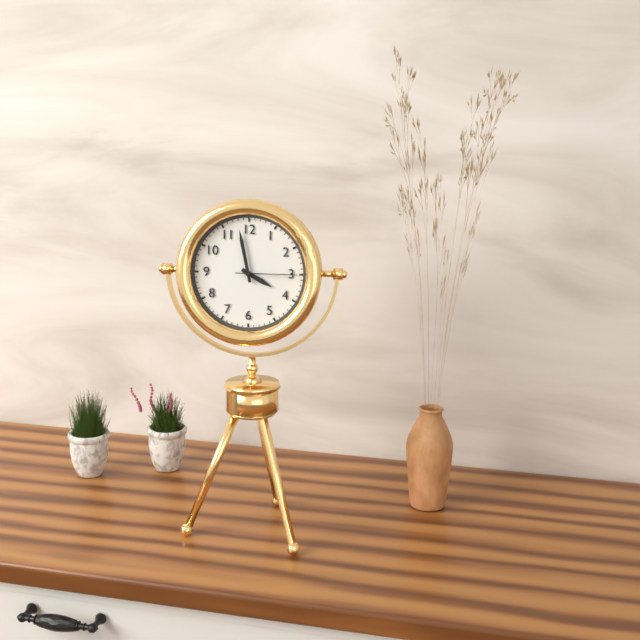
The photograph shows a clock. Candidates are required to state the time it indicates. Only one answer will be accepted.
3:58:15
